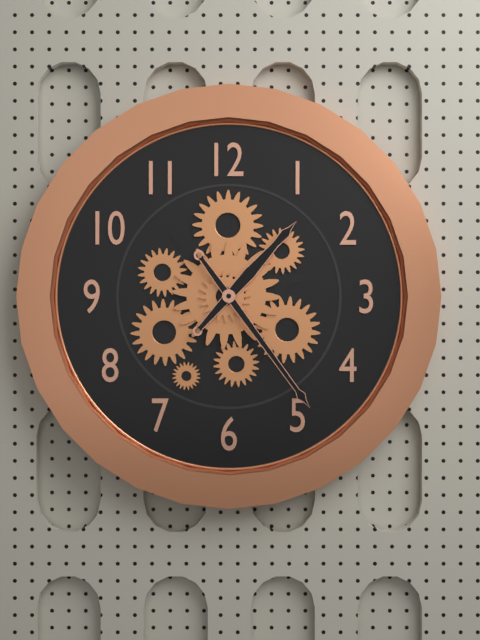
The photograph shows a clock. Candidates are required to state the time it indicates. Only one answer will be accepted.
1:24
